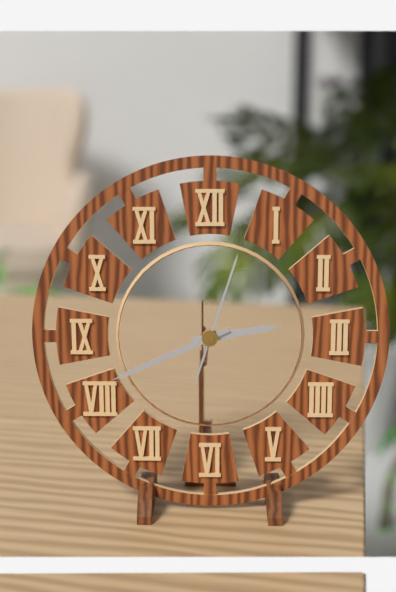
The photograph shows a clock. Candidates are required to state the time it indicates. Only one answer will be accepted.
2:41:03
